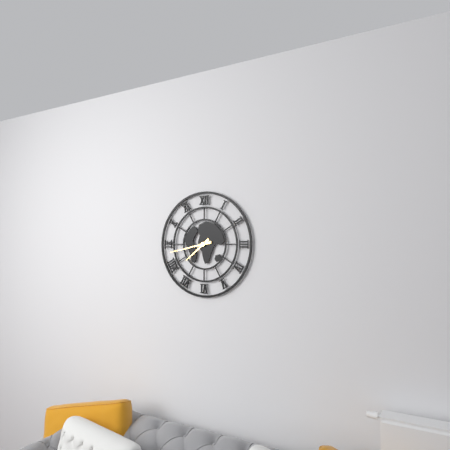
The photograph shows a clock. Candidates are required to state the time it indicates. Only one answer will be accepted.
7:43
